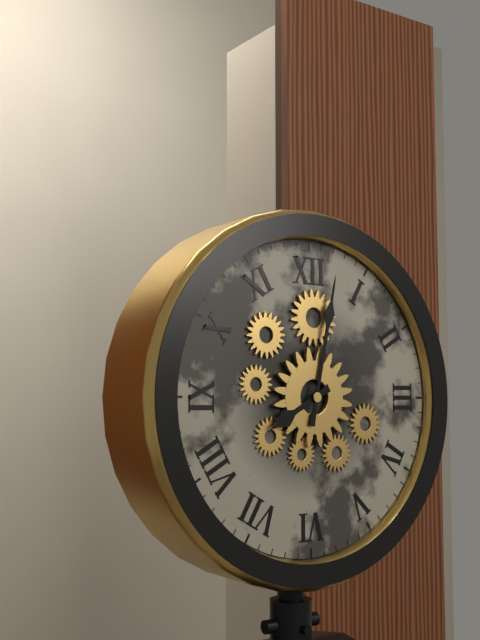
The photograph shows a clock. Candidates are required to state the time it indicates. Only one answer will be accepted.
8:02
